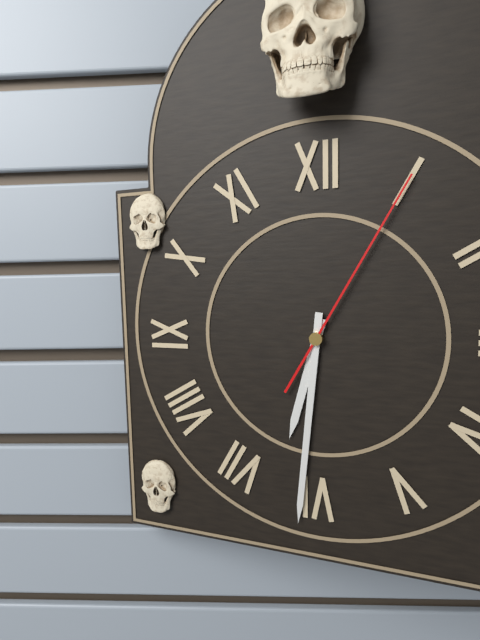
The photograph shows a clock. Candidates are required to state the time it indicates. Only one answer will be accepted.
6:31:05
